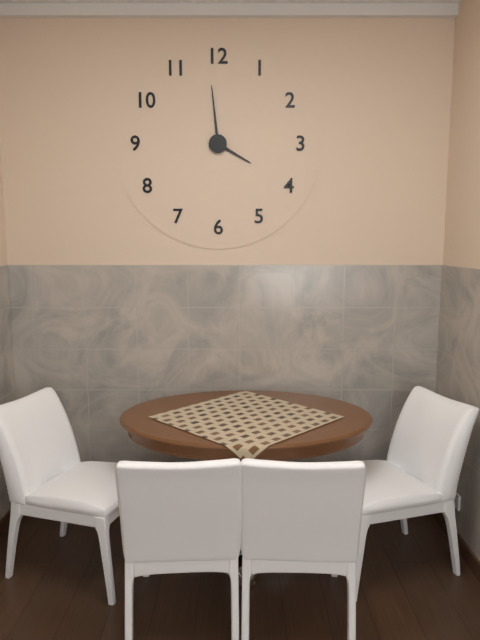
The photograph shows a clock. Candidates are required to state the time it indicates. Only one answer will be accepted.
3:59
